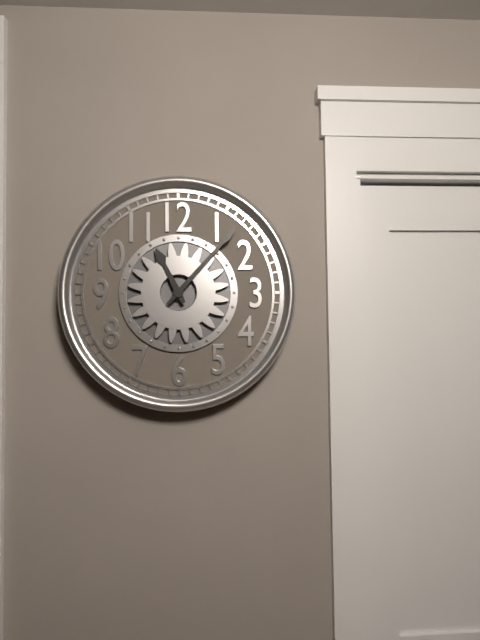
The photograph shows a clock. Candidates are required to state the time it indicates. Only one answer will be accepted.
11:07
